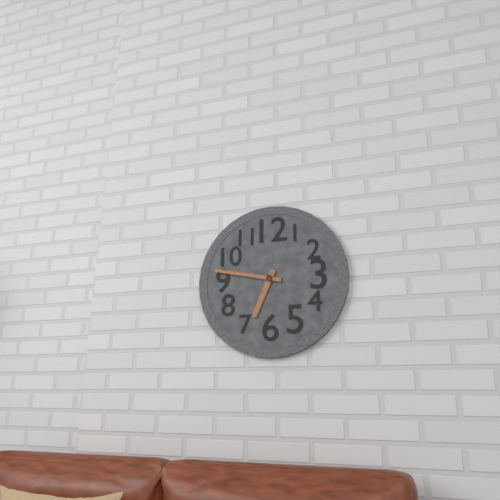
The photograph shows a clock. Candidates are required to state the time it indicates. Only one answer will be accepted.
6:47
